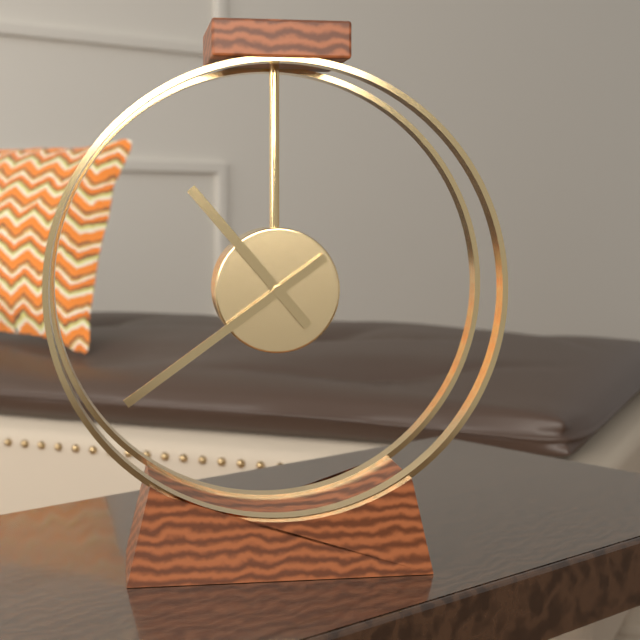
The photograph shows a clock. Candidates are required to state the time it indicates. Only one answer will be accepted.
10:39
